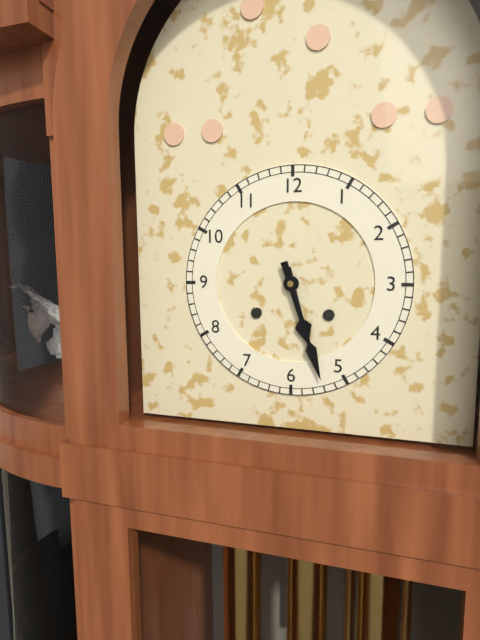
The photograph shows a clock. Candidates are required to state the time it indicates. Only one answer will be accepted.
5:27
